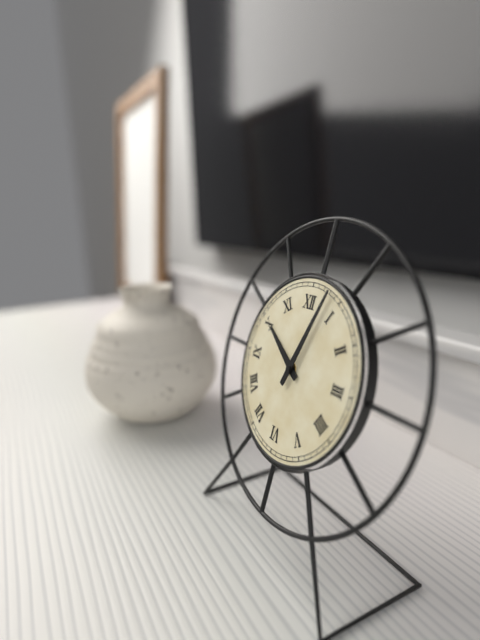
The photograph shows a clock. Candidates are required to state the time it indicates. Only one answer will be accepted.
10:03
